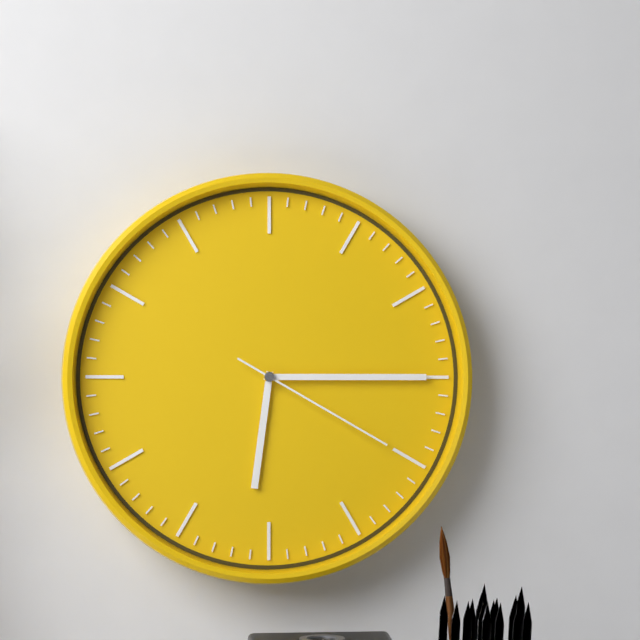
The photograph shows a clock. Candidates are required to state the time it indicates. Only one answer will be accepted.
6:15:20
